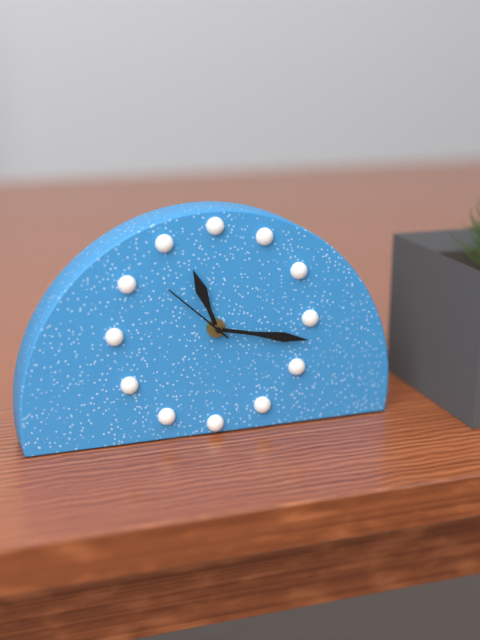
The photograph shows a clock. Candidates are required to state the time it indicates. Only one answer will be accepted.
11:17:52
